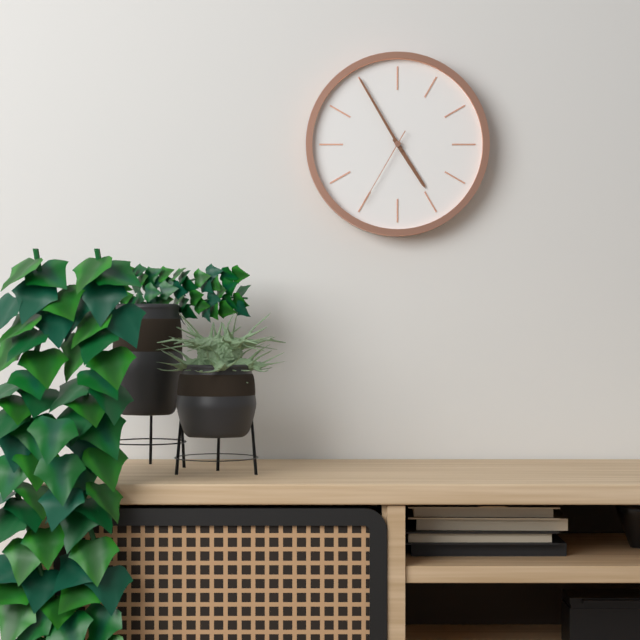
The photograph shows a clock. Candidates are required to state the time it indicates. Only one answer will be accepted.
4:55:35
